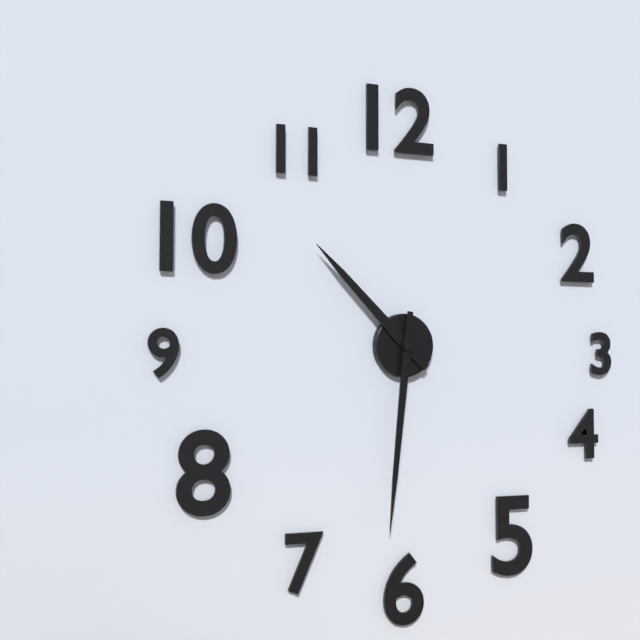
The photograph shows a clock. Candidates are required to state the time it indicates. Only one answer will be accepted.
10:31
